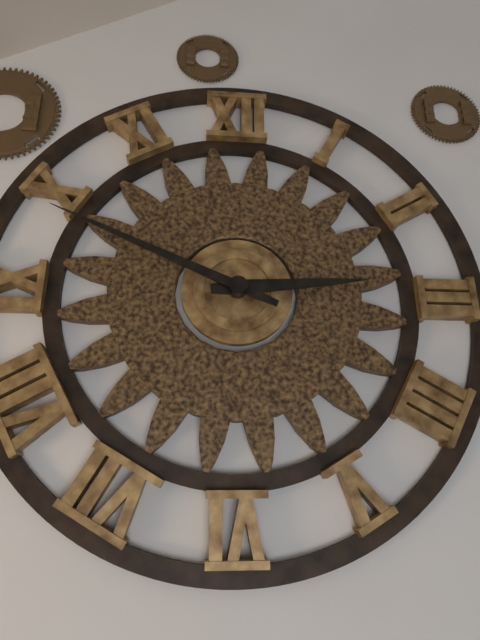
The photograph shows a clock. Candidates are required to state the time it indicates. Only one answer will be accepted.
2:49
